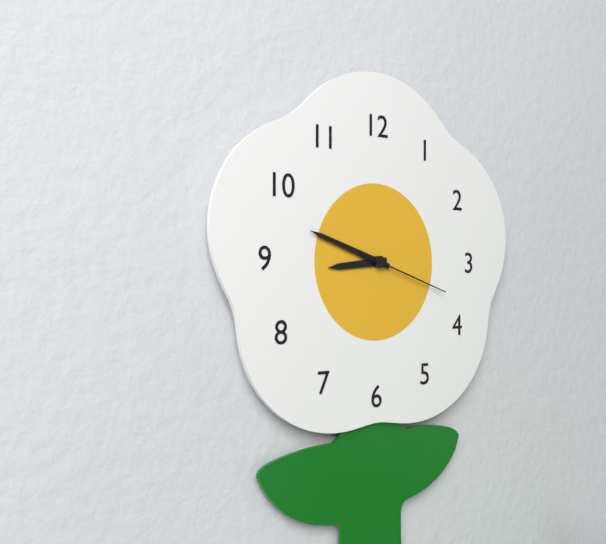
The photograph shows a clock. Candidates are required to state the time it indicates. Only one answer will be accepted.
8:48:18
